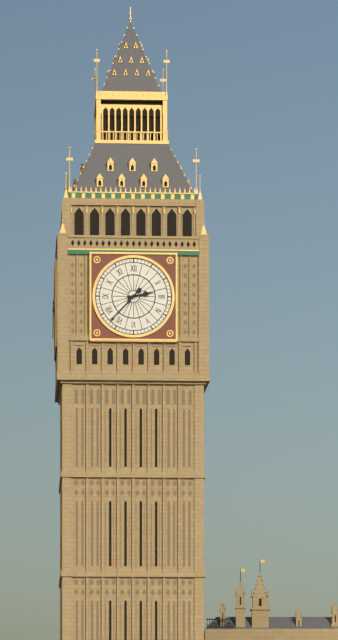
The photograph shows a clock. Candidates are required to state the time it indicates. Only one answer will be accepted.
2:37
